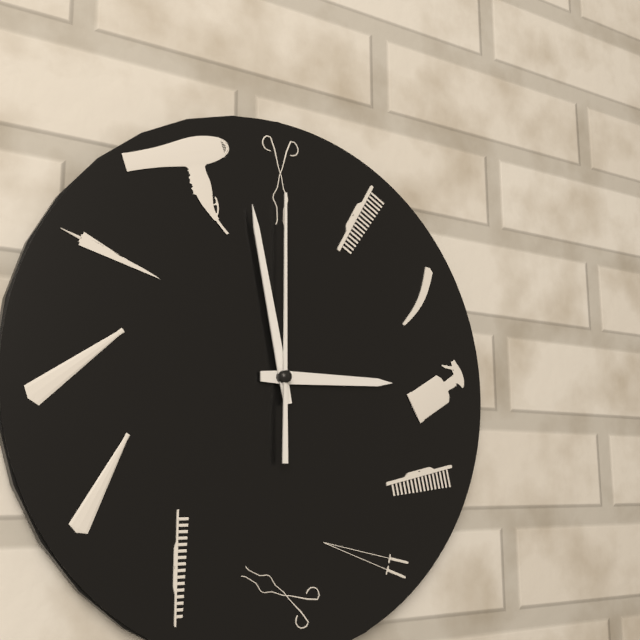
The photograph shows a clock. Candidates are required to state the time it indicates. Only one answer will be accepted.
2:58:00
